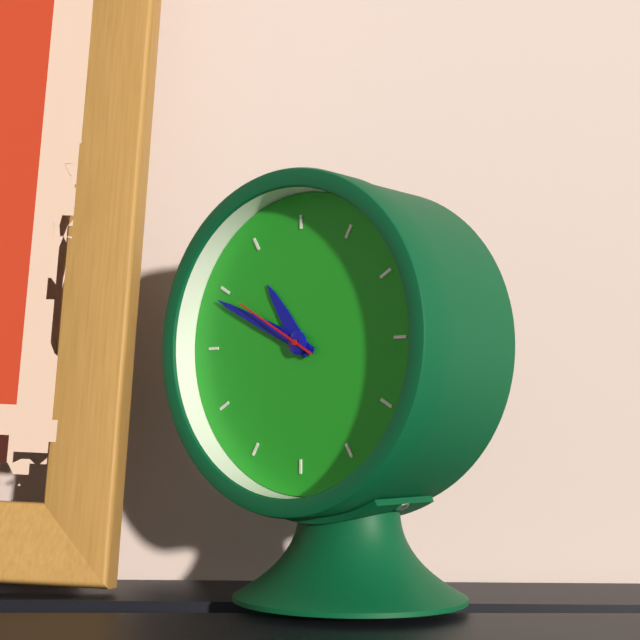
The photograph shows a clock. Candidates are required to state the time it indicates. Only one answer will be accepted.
10:49:50
